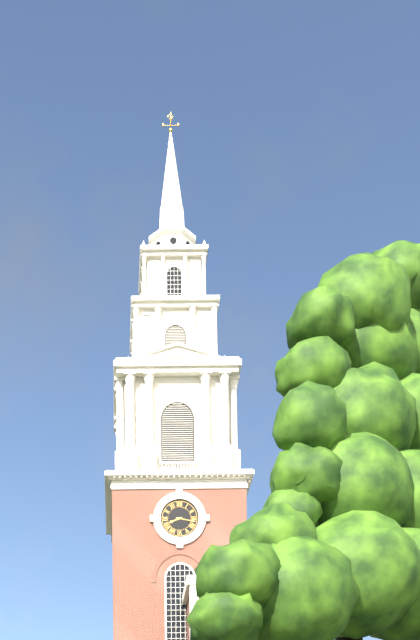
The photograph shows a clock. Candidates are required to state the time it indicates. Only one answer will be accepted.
8:17
